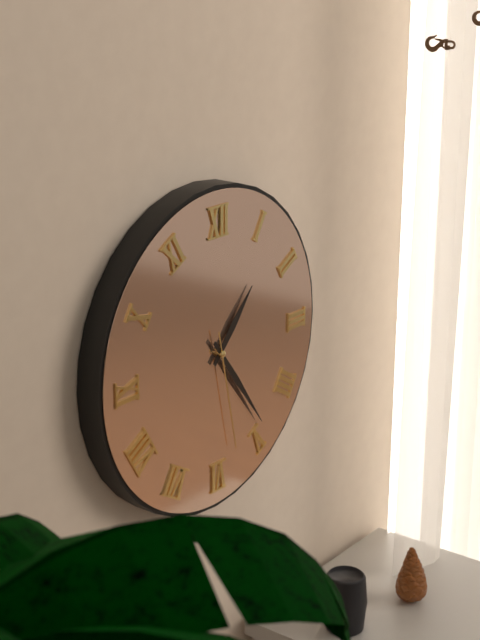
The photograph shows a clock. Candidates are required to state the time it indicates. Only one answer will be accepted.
1:24:28
